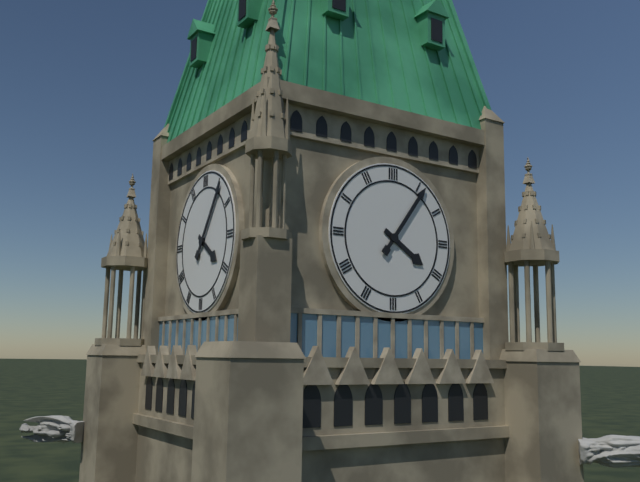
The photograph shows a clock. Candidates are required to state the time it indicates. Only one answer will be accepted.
4:06
